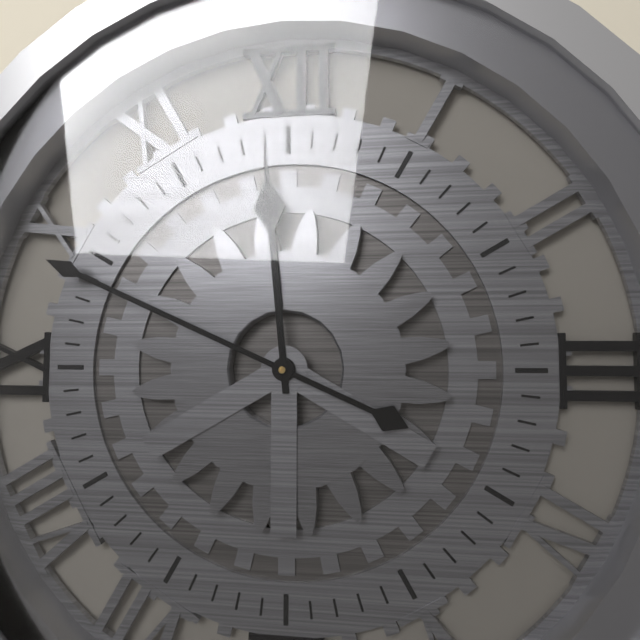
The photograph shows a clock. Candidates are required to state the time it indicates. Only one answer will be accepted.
11:49
